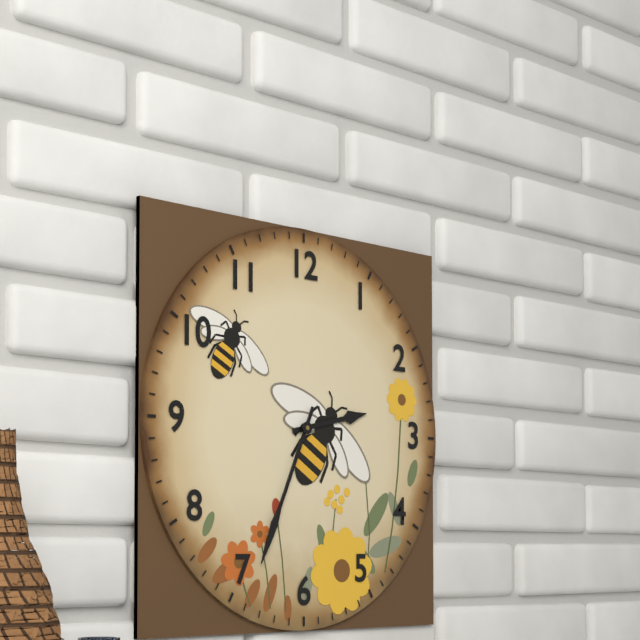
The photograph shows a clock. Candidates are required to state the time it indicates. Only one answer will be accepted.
2:34
